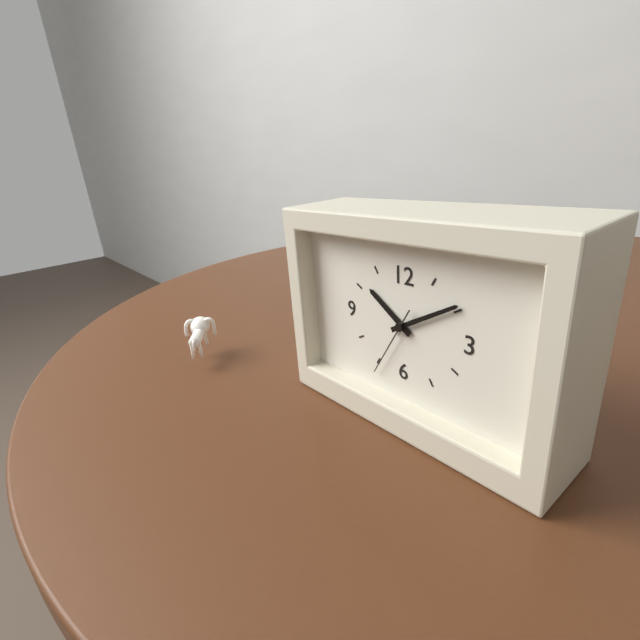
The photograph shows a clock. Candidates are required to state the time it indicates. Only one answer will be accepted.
10:10:35
